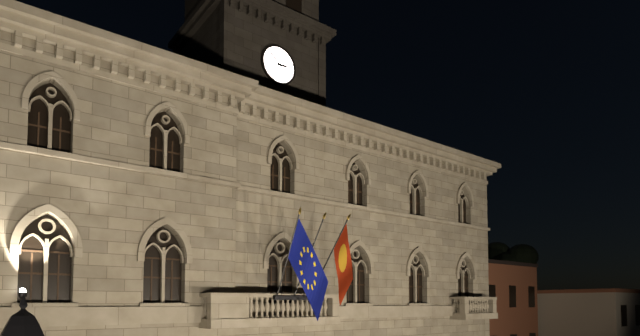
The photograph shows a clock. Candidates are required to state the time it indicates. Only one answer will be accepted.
2:52
